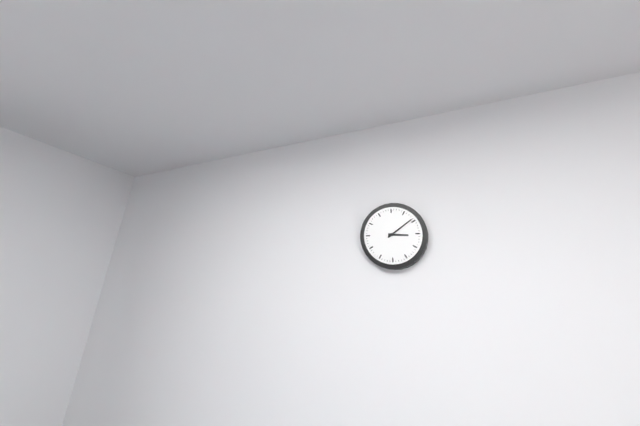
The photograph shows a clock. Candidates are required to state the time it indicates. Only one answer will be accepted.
3:09
